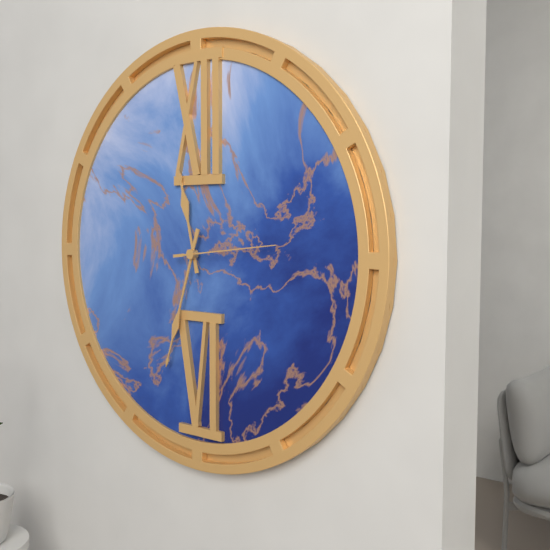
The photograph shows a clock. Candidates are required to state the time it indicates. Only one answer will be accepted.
11:33:14
